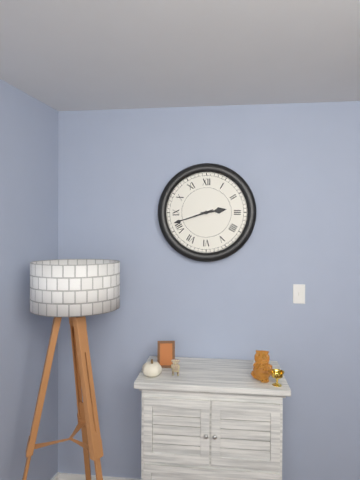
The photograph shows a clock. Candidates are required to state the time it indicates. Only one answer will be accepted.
2:42
